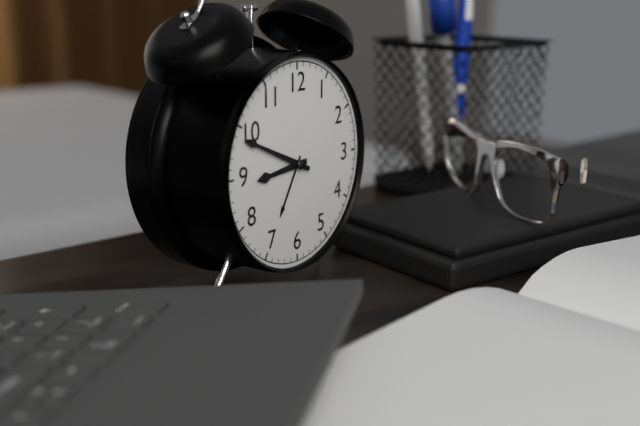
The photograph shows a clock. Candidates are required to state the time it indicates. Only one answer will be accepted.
8:49
